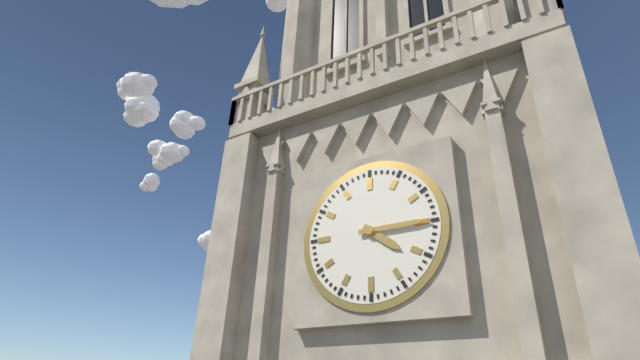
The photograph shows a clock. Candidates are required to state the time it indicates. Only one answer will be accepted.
4:15
